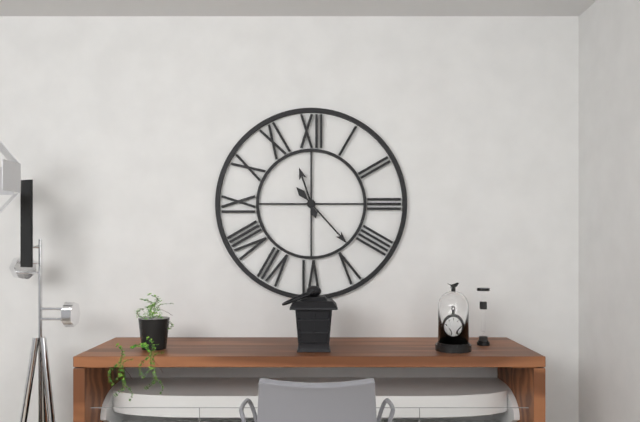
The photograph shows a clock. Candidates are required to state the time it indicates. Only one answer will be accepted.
11:23
